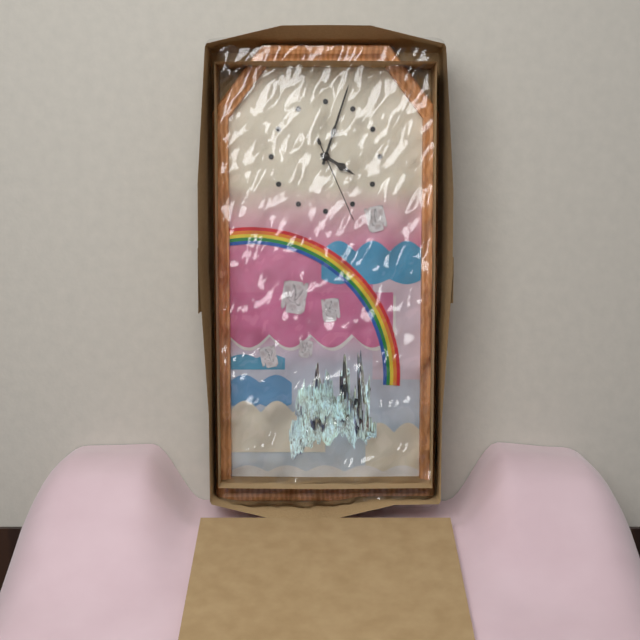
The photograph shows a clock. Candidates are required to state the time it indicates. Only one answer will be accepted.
4:03:26
